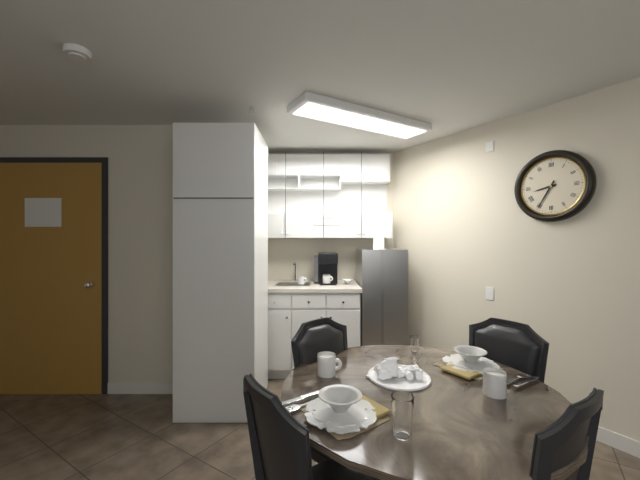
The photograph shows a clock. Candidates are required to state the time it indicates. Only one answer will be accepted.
8:35
